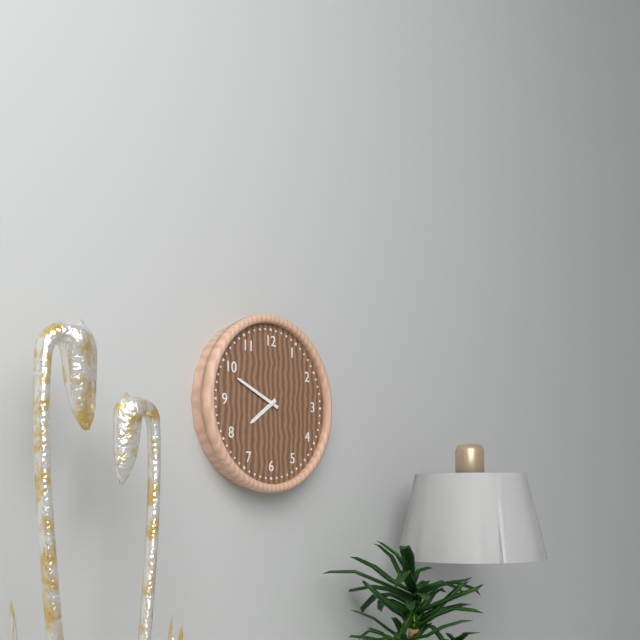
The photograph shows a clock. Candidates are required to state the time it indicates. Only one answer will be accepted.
7:49
